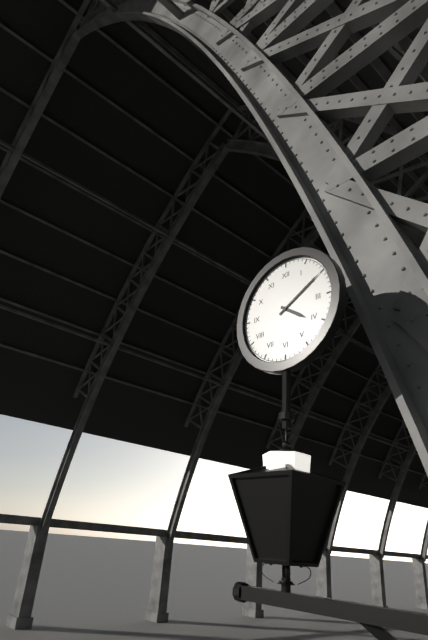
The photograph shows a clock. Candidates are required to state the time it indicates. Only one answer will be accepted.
4:10
